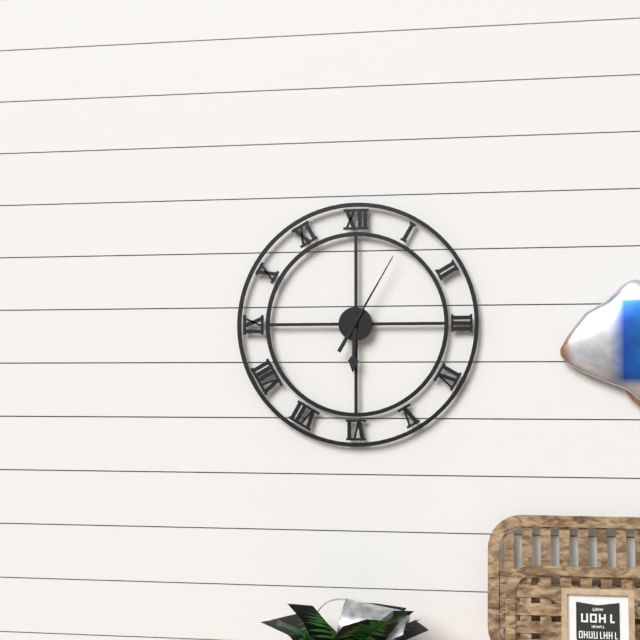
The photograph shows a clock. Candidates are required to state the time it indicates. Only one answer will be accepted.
6:05
